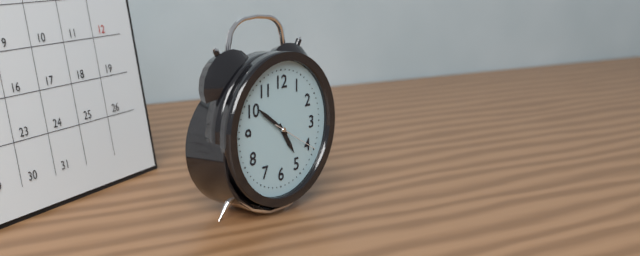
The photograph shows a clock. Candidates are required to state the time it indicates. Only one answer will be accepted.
4:51
